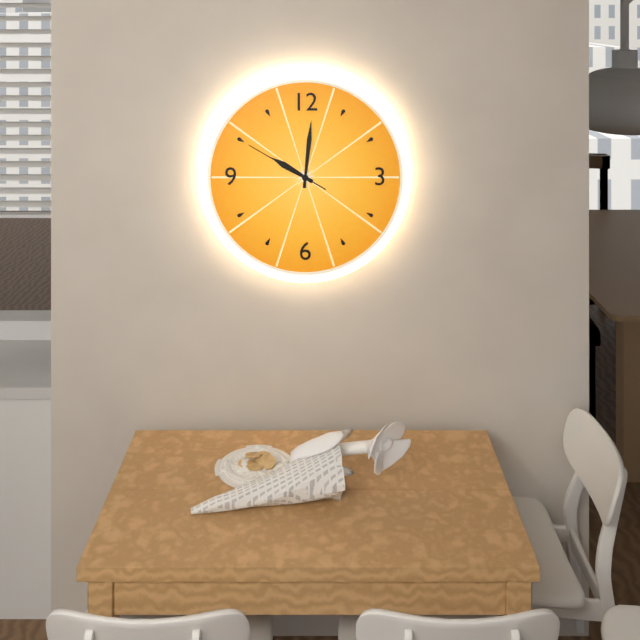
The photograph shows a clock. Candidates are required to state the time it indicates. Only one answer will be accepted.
10:01:50
